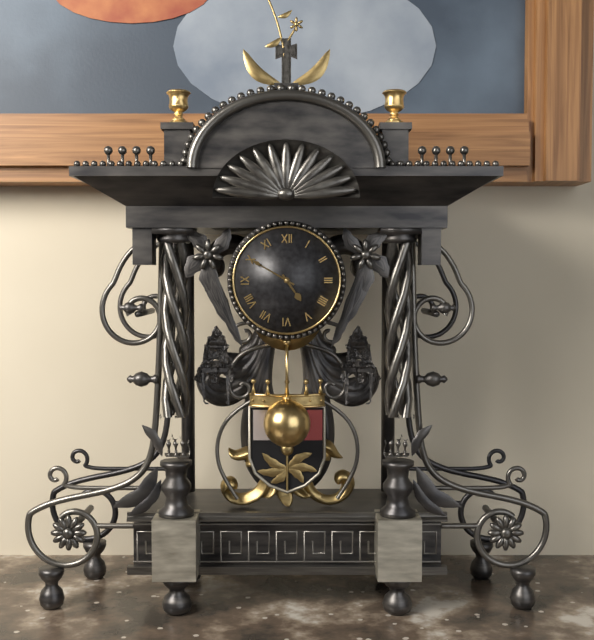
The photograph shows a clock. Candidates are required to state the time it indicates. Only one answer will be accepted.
4:50
